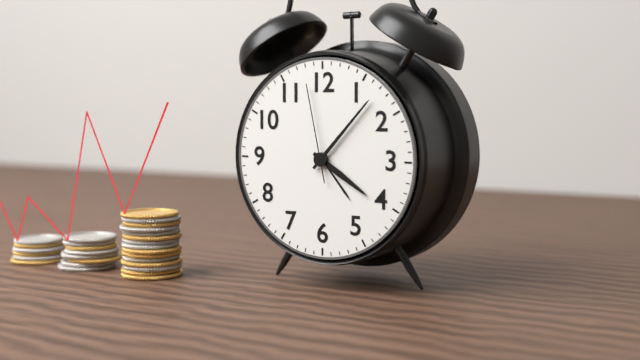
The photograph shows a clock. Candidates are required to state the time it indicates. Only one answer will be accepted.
4:07:58
